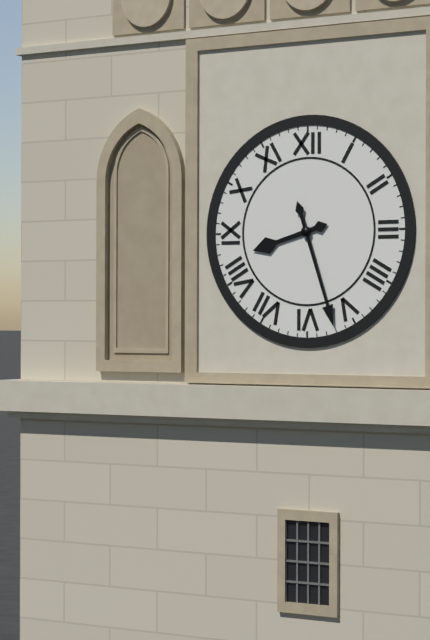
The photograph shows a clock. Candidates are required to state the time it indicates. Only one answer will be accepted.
8:27
